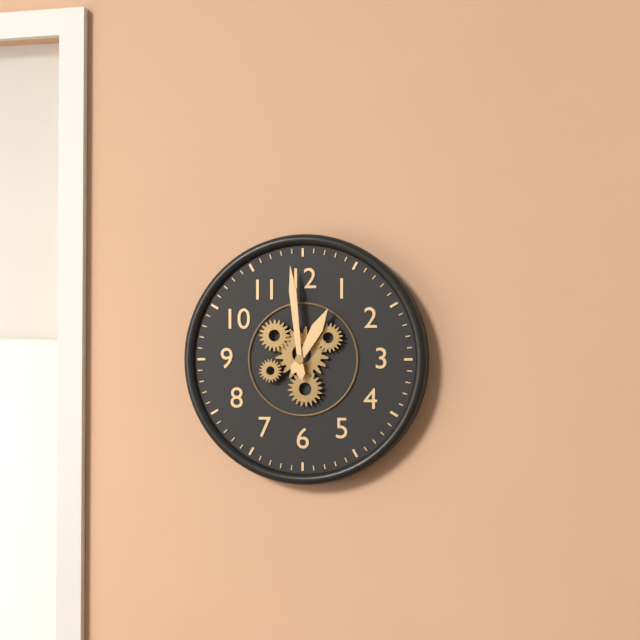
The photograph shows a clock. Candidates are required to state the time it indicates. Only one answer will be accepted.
12:59
